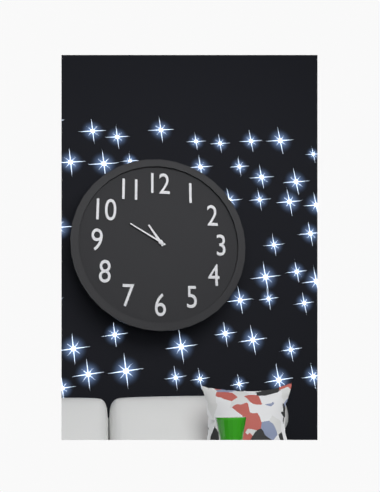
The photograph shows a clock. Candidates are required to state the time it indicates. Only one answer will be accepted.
10:50
